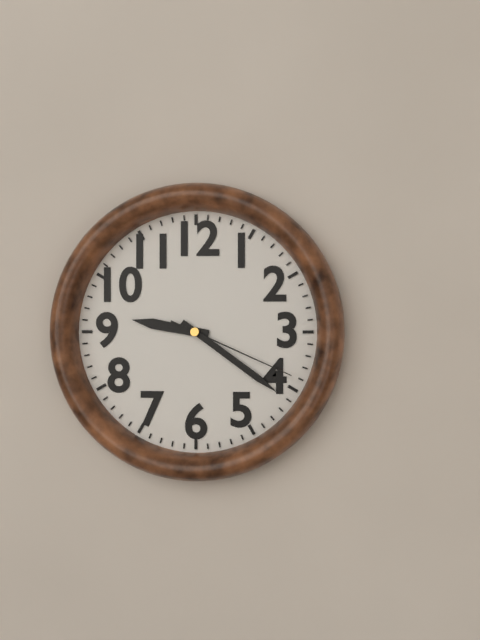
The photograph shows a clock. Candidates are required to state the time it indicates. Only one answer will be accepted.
9:21:19
